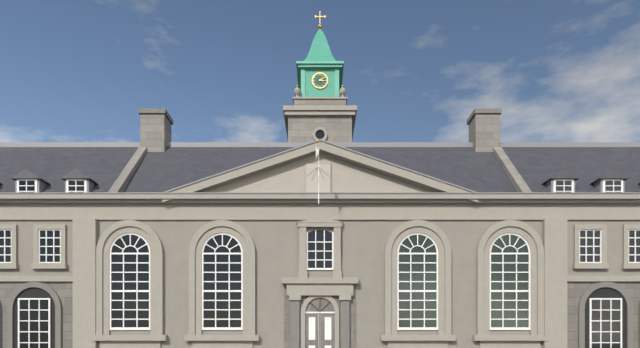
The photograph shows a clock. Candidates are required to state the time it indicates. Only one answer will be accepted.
3:09
